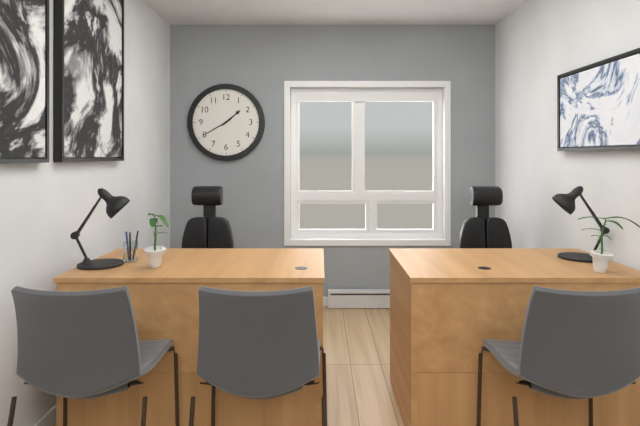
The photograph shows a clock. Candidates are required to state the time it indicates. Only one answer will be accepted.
1:40
